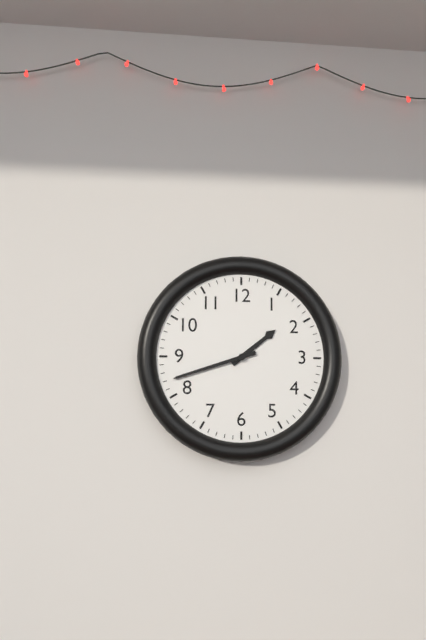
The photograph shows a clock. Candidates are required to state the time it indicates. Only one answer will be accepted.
1:42
